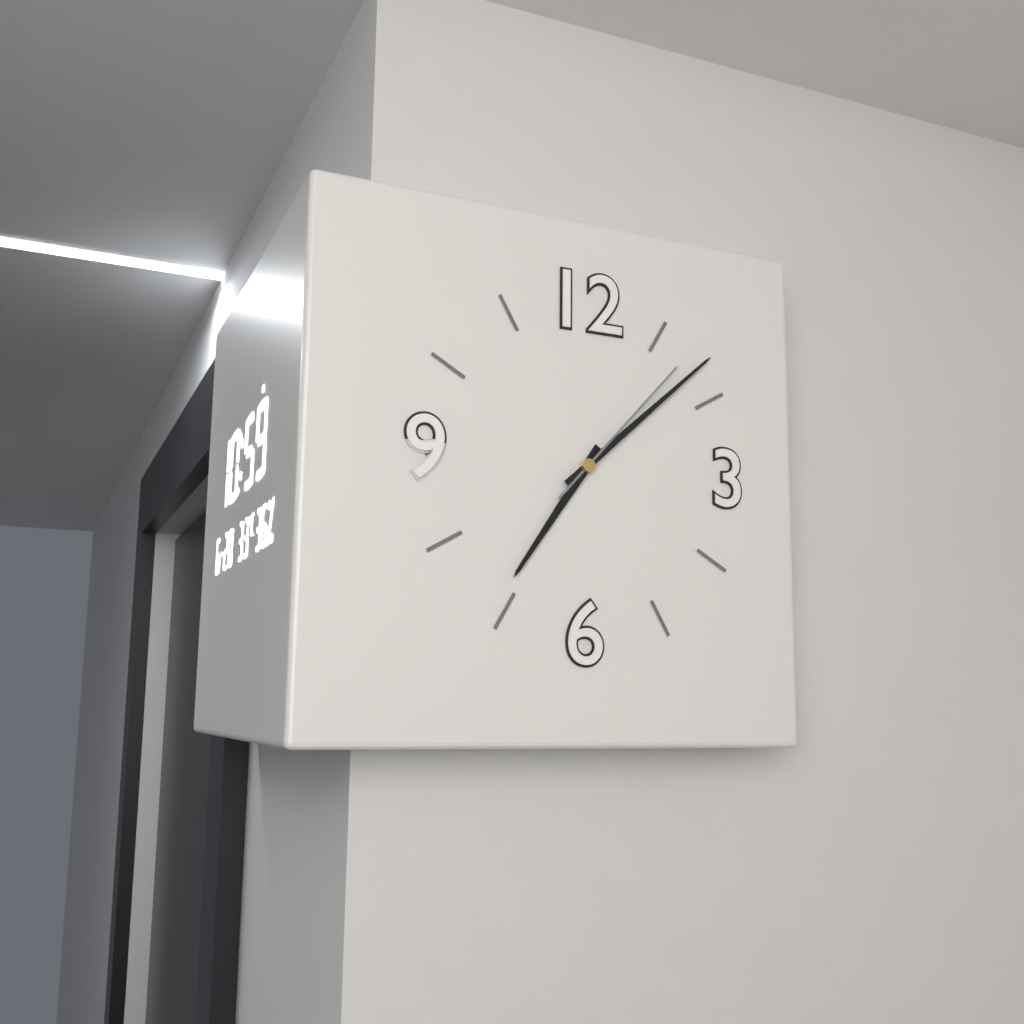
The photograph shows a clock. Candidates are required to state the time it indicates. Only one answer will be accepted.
7:08:07
